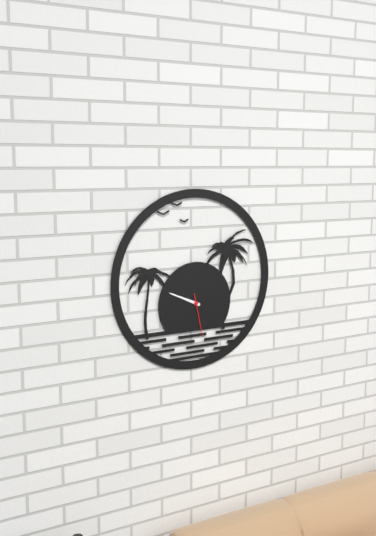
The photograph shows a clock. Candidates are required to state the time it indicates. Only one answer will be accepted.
9:49
